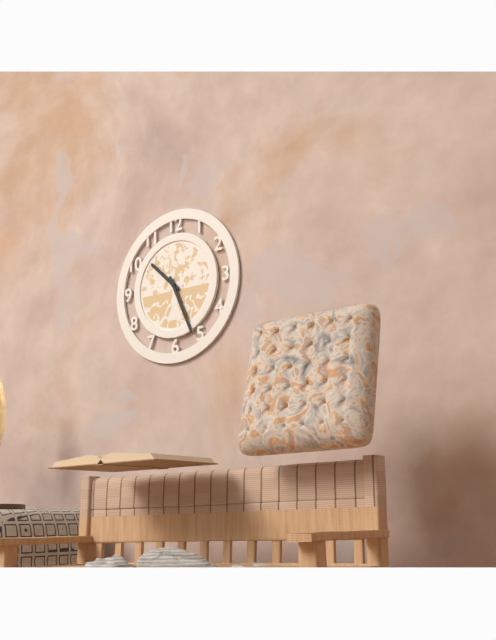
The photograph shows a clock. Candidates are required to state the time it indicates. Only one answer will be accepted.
10:26
